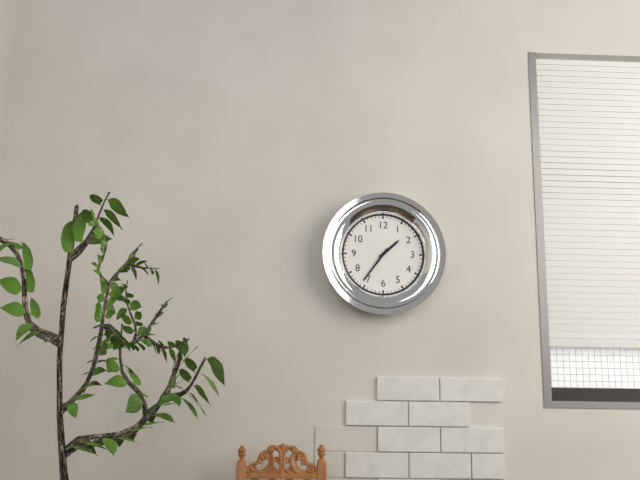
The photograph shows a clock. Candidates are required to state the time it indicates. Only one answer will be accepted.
1:36
